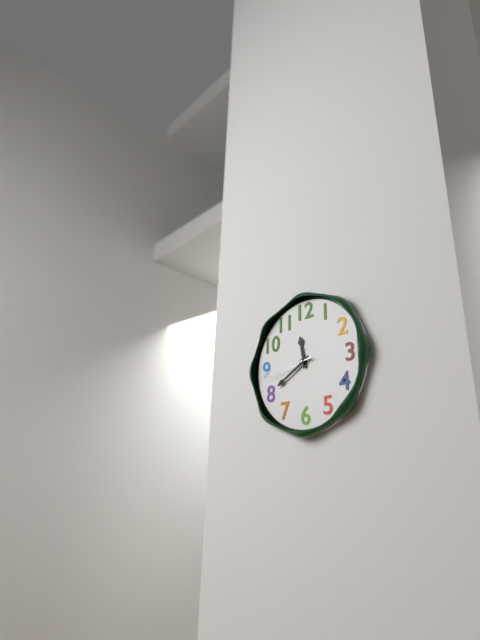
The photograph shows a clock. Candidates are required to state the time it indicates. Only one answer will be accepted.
11:40
